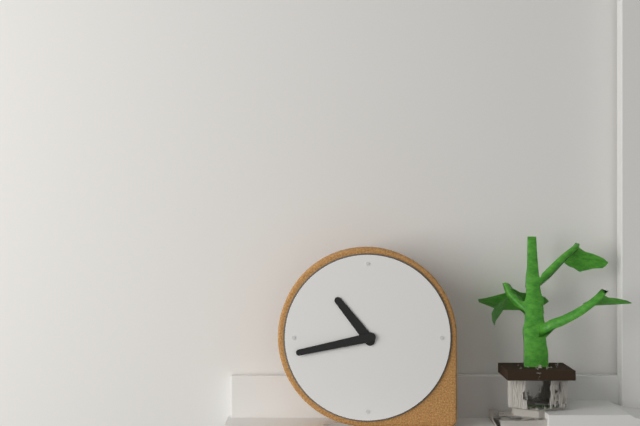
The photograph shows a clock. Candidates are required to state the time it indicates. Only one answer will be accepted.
10:43
